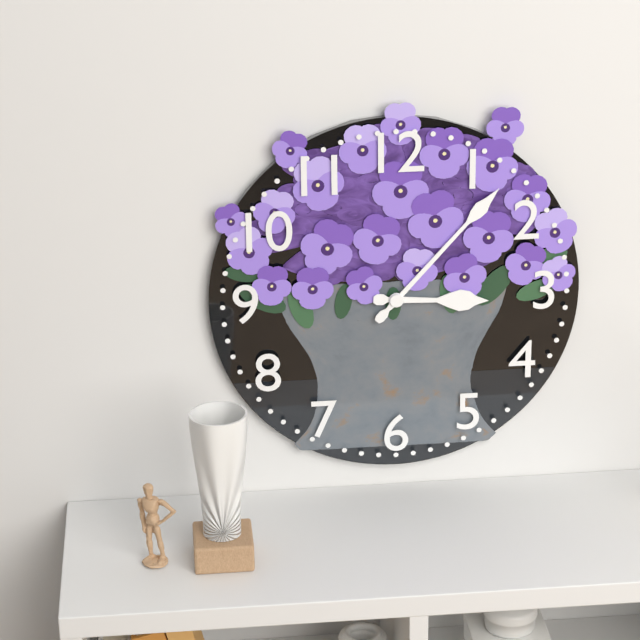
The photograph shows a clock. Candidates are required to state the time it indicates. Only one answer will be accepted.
3:07
